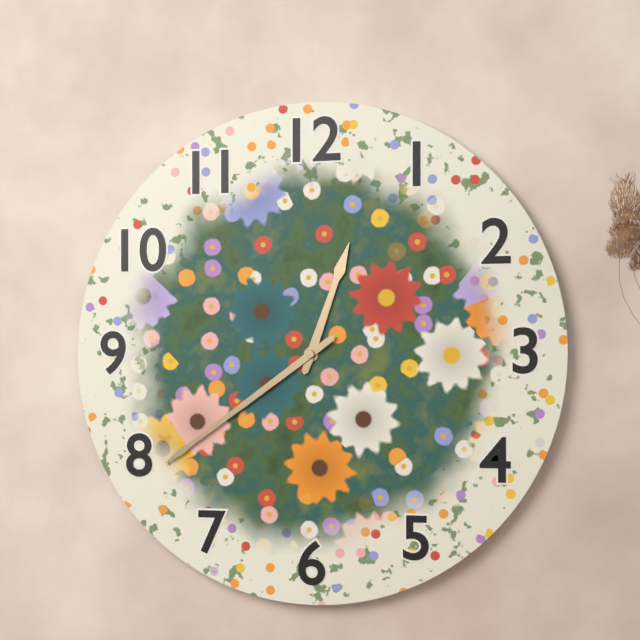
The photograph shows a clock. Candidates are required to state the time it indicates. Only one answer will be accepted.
12:39
